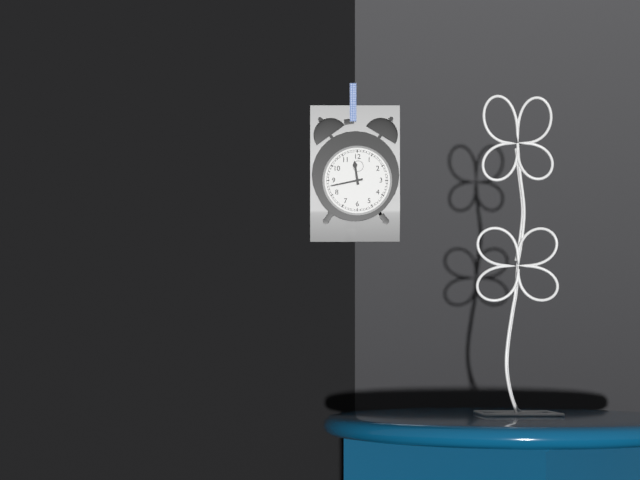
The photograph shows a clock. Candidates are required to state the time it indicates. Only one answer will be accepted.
11:43
